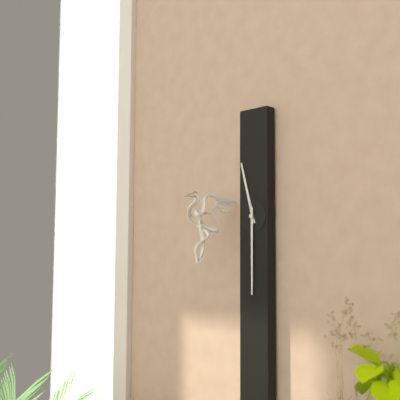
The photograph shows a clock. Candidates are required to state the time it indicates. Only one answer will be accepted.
11:30
